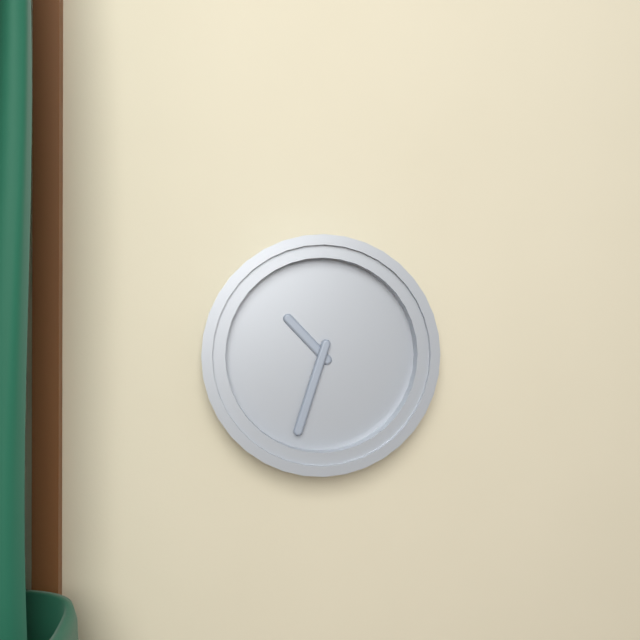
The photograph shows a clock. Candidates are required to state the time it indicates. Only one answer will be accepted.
10:33
